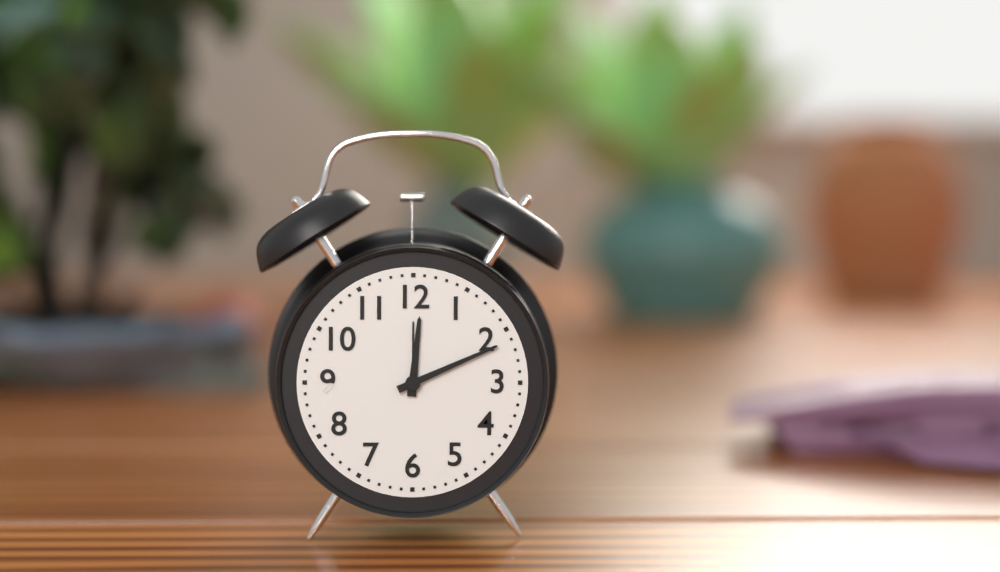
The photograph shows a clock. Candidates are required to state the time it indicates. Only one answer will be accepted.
12:11
